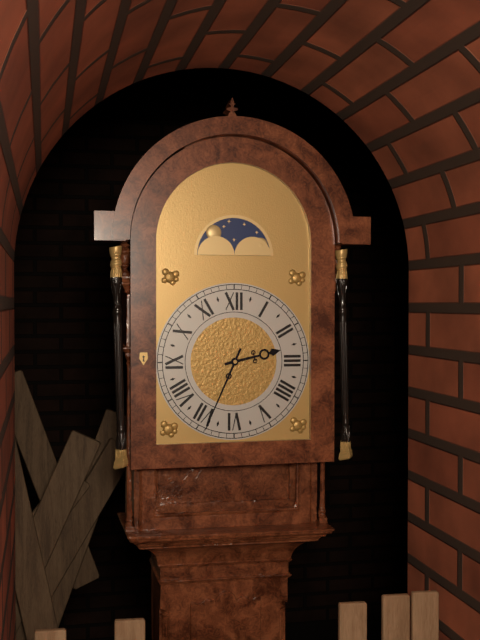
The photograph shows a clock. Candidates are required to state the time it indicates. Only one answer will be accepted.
2:34
